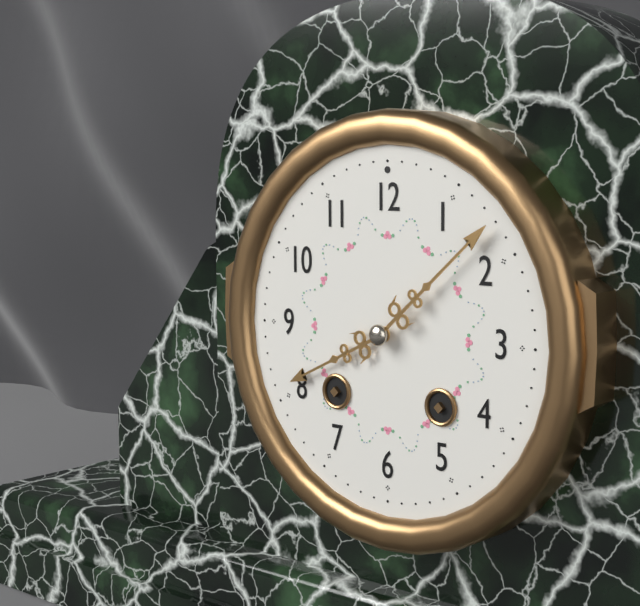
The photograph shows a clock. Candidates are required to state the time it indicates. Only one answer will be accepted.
8:08
